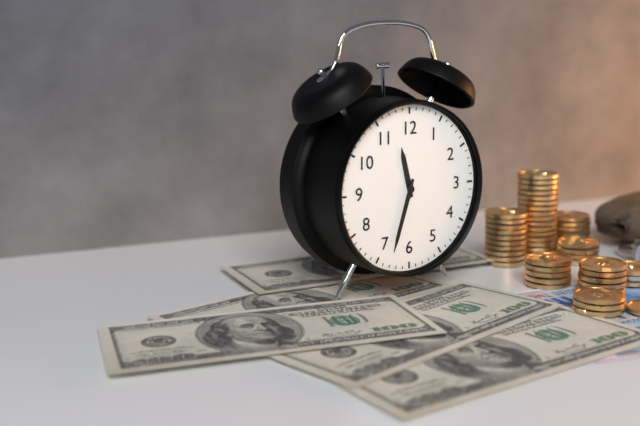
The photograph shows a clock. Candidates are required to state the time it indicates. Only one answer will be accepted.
11:33
